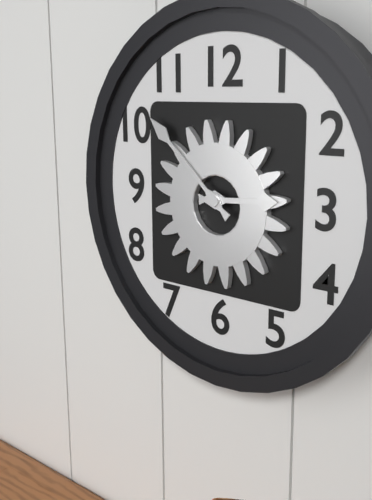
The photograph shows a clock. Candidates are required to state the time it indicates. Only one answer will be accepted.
2:52
